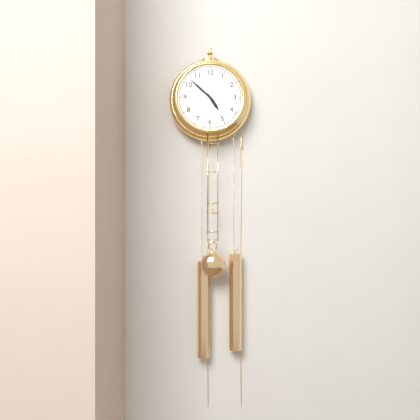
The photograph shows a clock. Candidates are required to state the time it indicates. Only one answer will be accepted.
4:52
